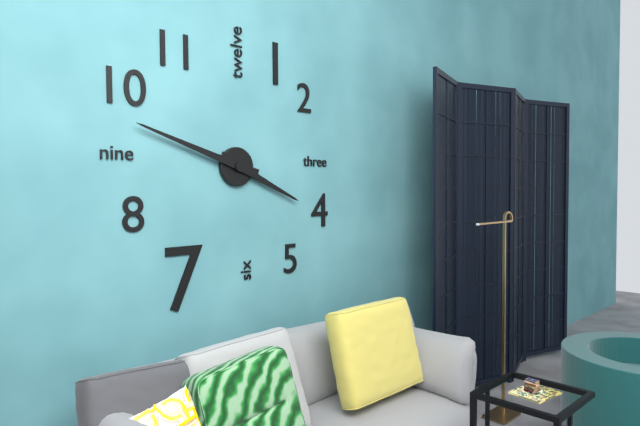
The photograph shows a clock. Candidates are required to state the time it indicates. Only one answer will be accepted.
3:48
